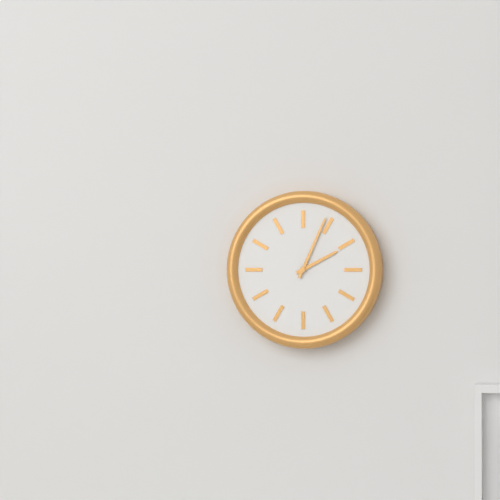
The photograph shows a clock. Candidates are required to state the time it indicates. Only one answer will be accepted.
2:04
